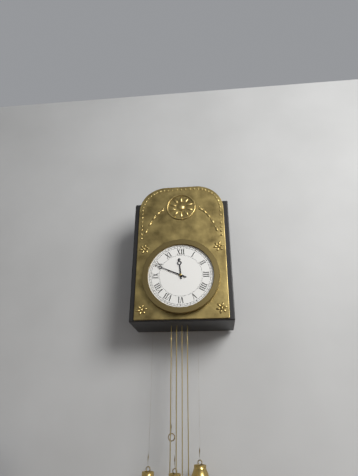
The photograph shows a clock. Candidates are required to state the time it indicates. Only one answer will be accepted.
11:49
